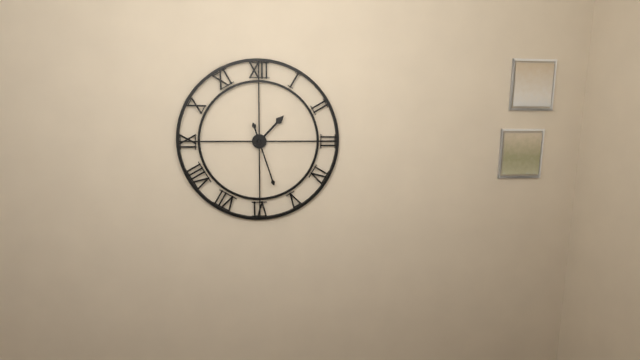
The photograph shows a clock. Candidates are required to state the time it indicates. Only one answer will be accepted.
1:27
